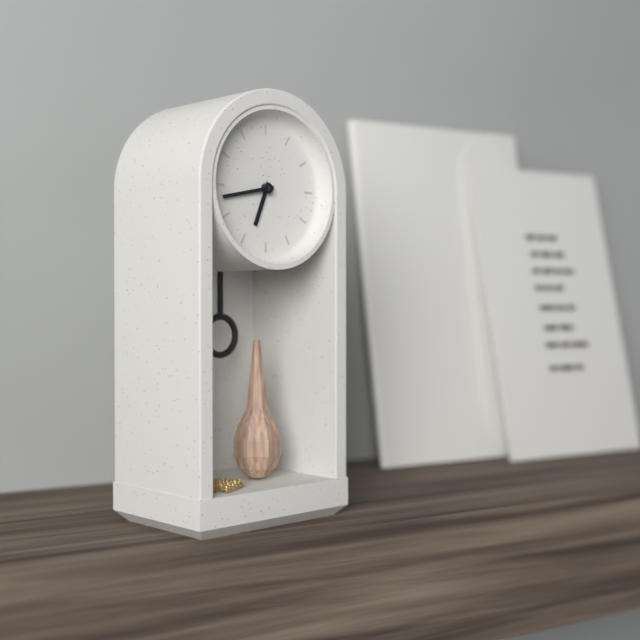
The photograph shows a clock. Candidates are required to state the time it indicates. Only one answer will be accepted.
6:43
